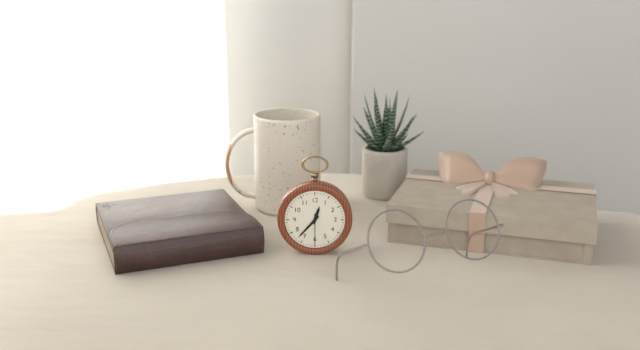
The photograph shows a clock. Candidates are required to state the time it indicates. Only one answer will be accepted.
12:37
